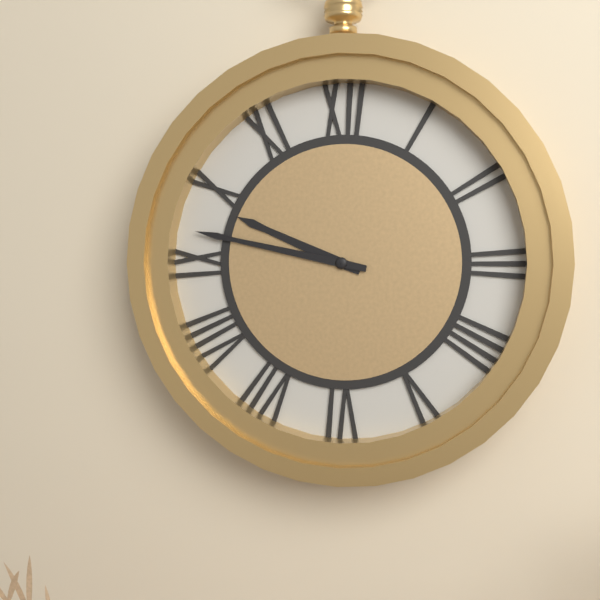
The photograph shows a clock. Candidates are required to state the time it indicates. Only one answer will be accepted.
9:47
